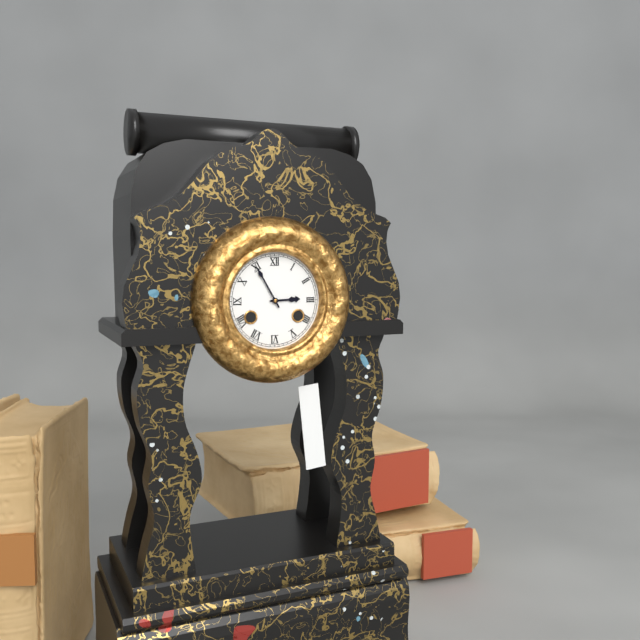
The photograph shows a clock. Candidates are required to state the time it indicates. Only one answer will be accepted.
2:55
